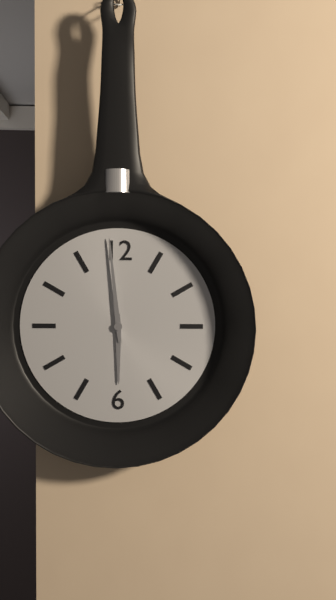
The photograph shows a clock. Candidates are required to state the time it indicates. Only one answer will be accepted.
5:59
